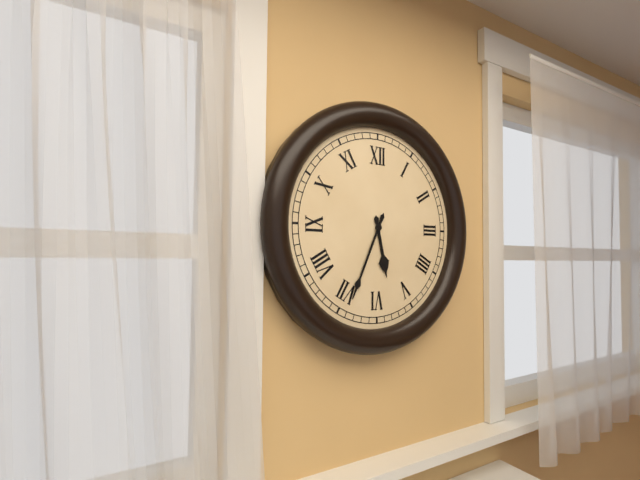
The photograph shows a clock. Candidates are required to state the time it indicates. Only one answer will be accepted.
5:34
